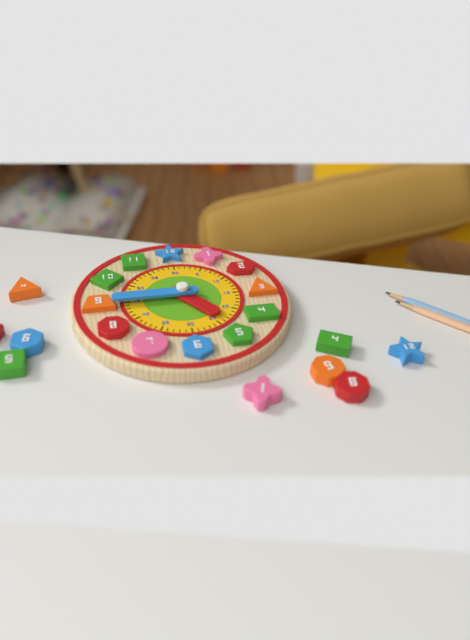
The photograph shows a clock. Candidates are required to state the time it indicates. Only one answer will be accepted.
4:45
